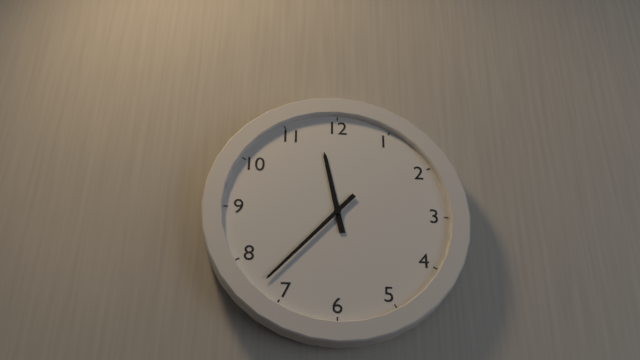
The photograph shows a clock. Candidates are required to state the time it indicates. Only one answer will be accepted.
11:37
